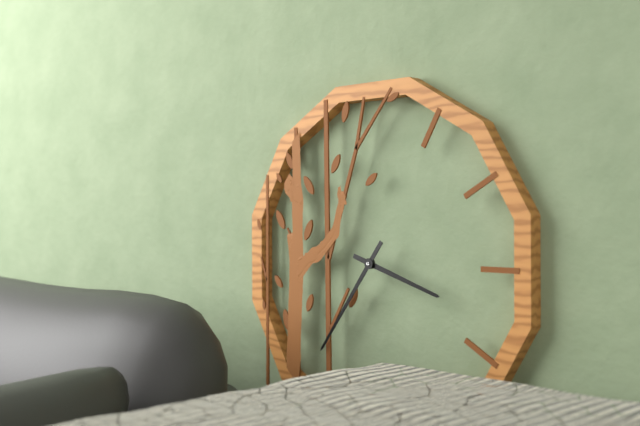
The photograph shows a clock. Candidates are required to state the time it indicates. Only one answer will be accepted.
3:36
